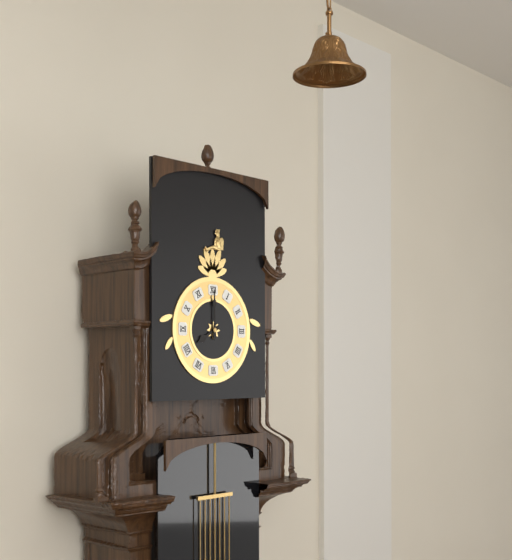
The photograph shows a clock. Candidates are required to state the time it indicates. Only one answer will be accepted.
8:00
